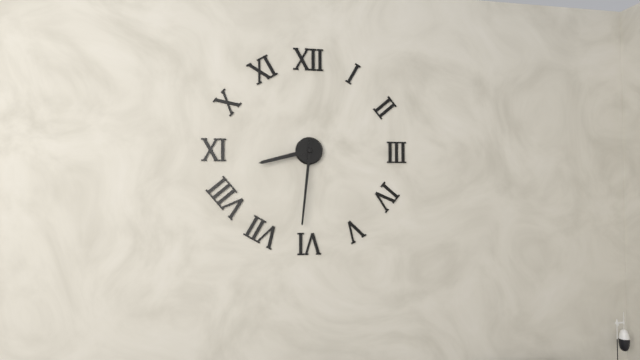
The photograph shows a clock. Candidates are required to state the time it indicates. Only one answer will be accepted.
8:31
